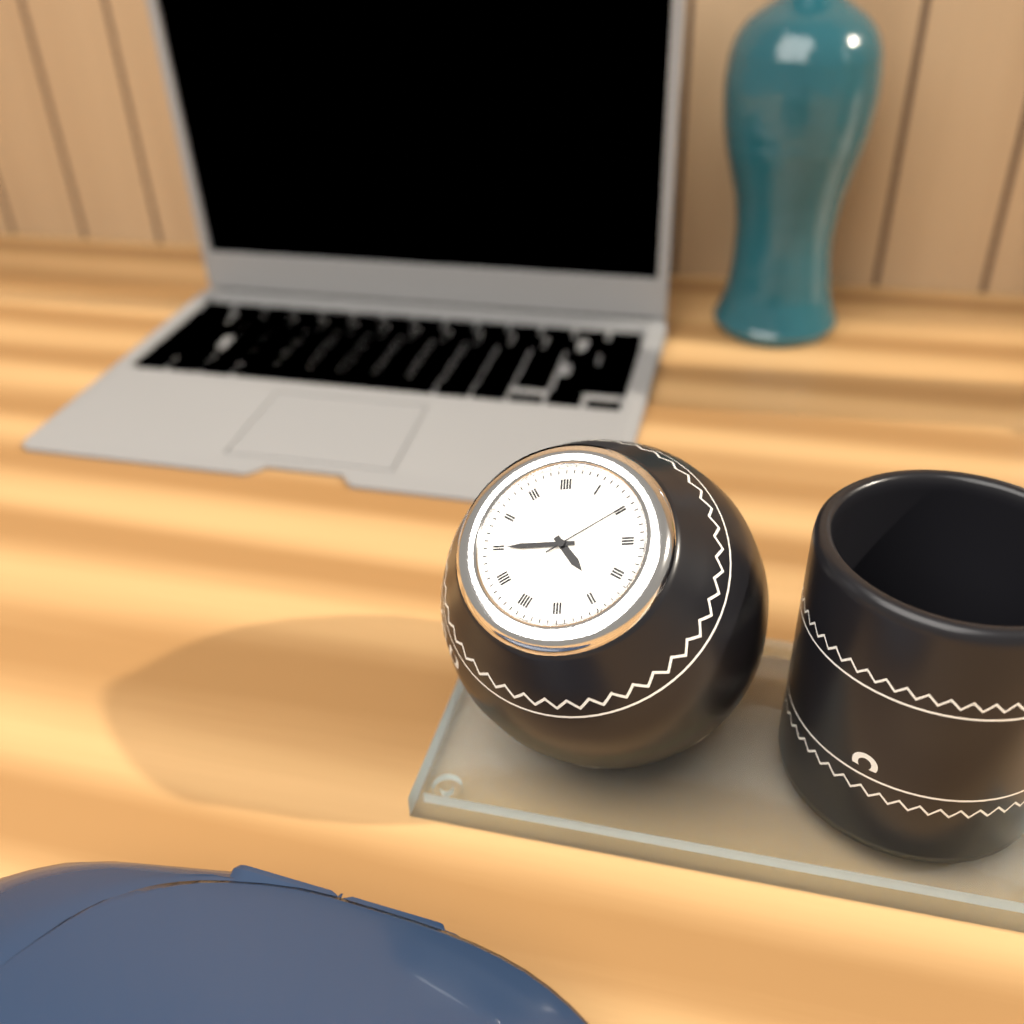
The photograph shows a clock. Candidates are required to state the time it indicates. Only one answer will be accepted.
4:45:10
